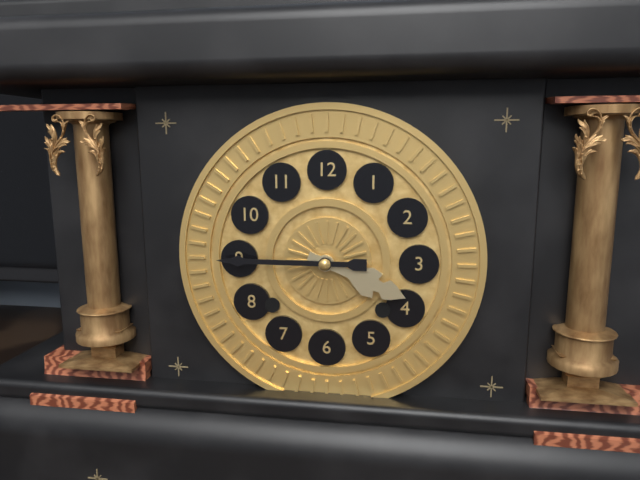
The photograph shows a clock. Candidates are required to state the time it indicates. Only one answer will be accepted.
3:45
